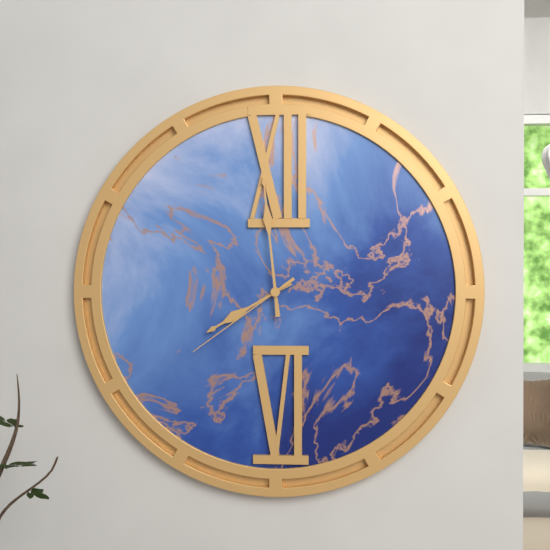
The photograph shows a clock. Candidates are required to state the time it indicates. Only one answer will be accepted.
7:59:39
